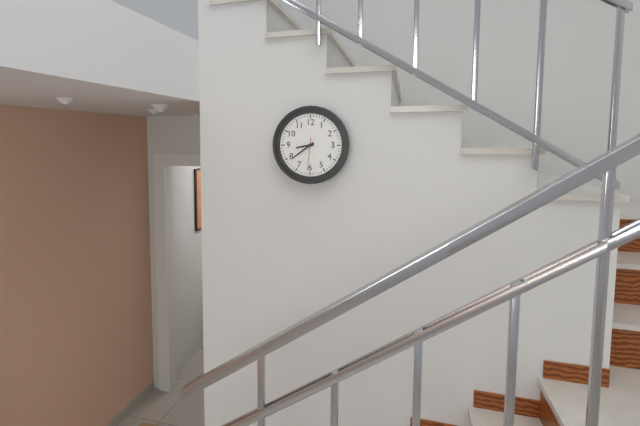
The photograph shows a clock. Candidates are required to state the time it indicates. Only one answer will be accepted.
8:39
